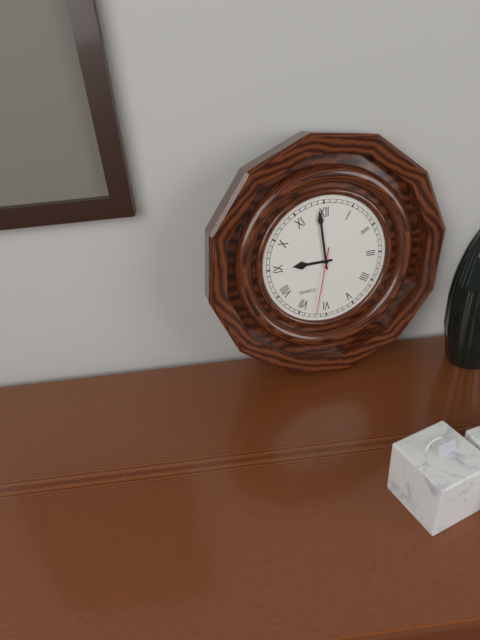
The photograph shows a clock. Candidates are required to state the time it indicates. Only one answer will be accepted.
8:59:32
